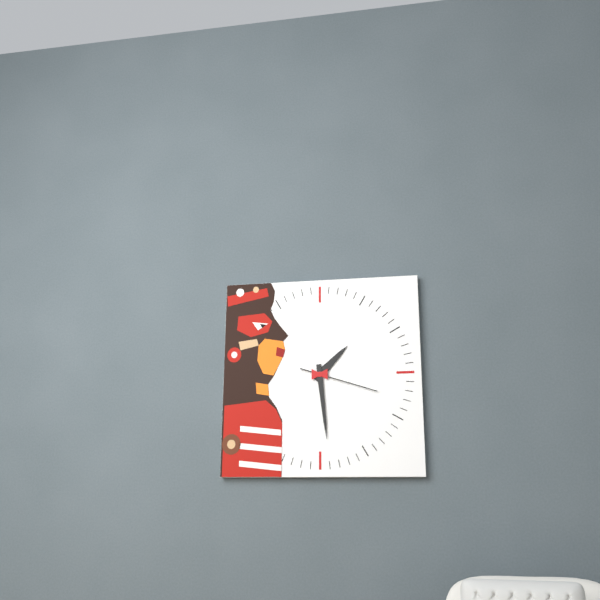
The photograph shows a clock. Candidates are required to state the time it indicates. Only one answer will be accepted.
1:29:18
